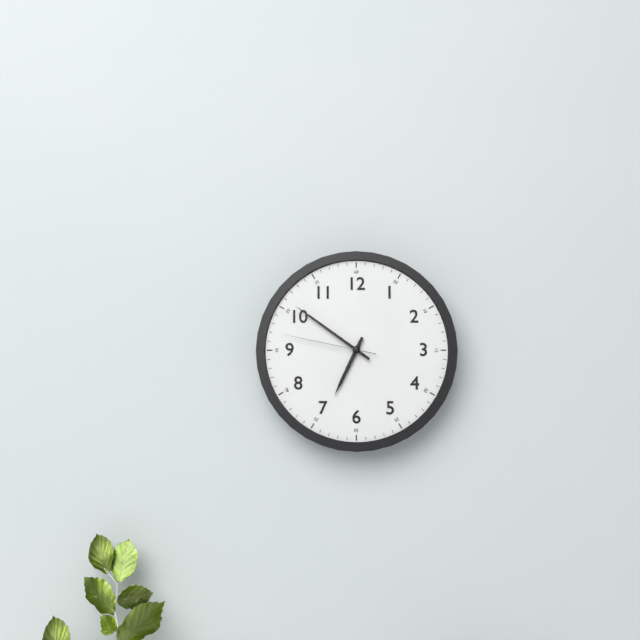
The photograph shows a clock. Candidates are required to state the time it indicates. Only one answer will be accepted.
6:51:47
